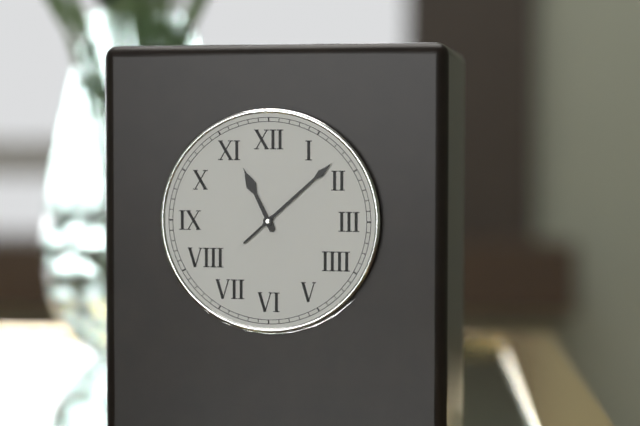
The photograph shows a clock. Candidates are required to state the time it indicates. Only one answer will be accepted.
11:08
